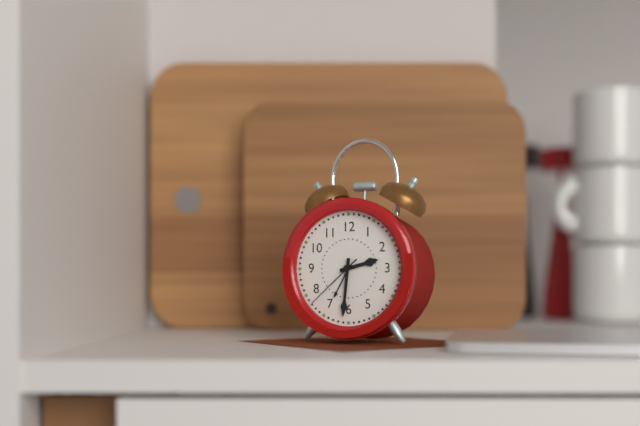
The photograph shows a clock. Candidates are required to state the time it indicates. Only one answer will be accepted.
2:31:38
